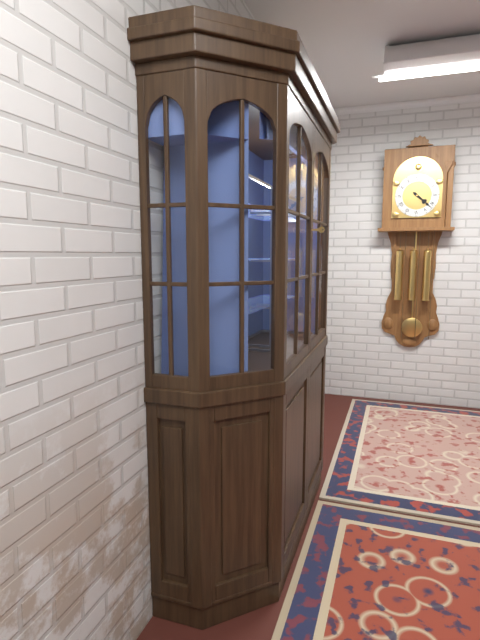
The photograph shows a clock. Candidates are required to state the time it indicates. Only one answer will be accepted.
4:22
